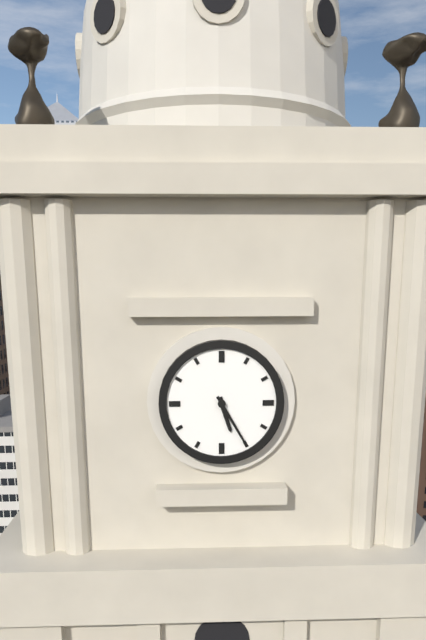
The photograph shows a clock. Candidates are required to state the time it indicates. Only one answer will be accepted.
5:25
